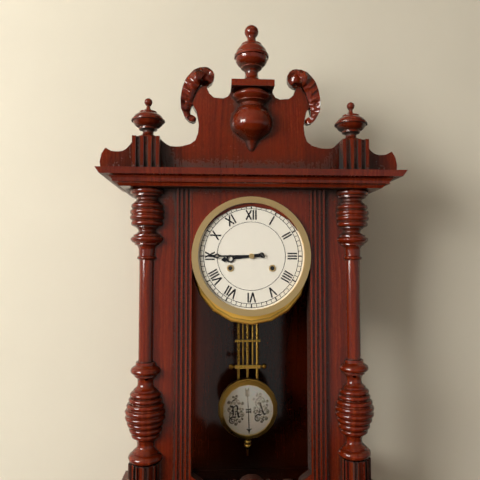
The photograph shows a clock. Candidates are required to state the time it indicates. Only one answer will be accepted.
8:45
